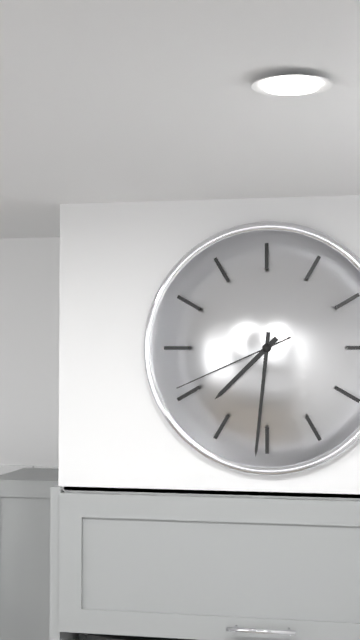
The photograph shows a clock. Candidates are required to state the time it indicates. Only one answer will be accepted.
7:31:41
